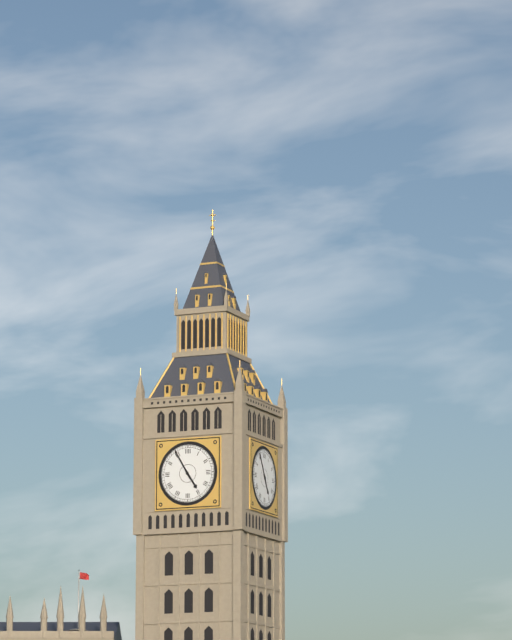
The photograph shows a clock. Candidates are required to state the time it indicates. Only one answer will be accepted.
4:55
